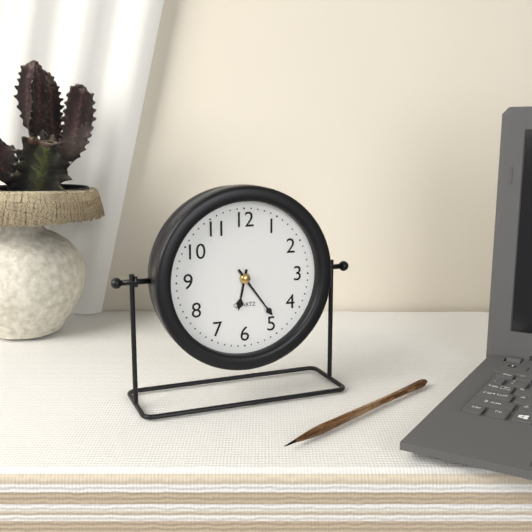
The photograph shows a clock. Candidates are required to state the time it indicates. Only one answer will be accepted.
6:24
